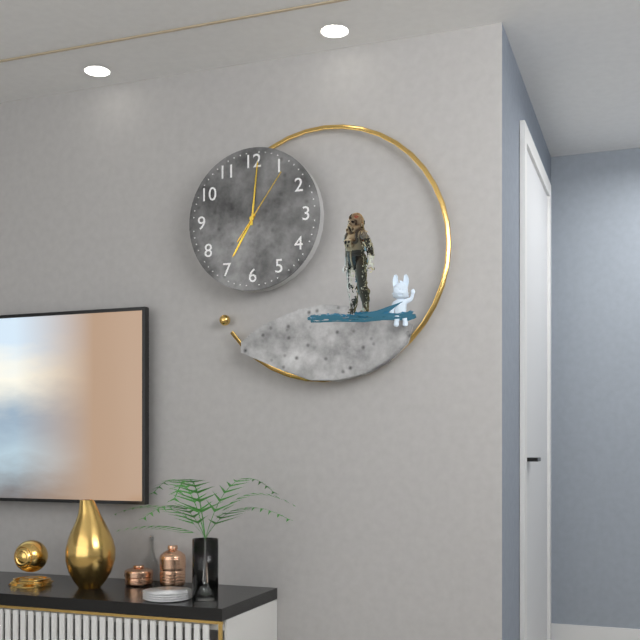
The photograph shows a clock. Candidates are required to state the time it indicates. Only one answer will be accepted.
7:01:06
